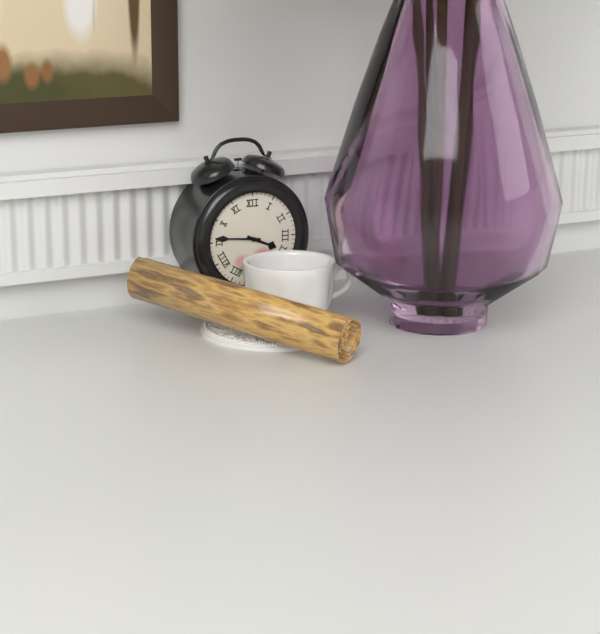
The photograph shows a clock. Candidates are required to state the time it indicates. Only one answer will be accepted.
3:46
